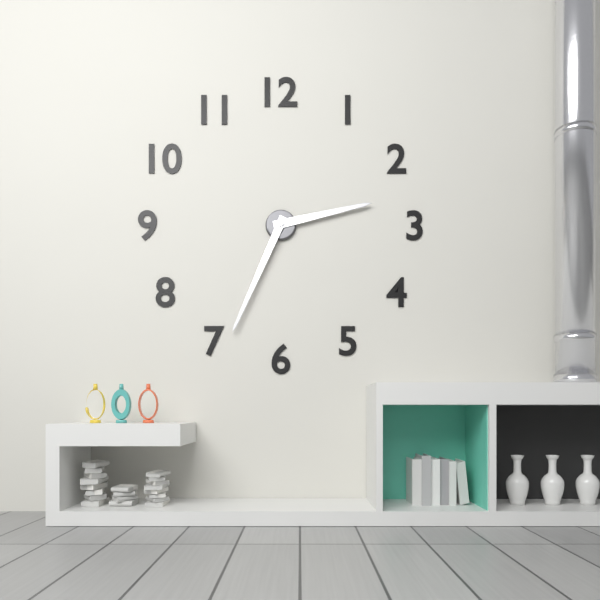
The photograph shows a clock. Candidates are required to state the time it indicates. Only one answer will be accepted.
2:34
